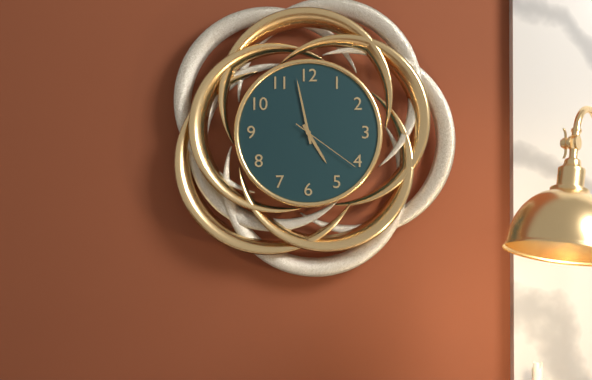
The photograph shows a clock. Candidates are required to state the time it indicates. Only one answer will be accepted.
4:58:21
